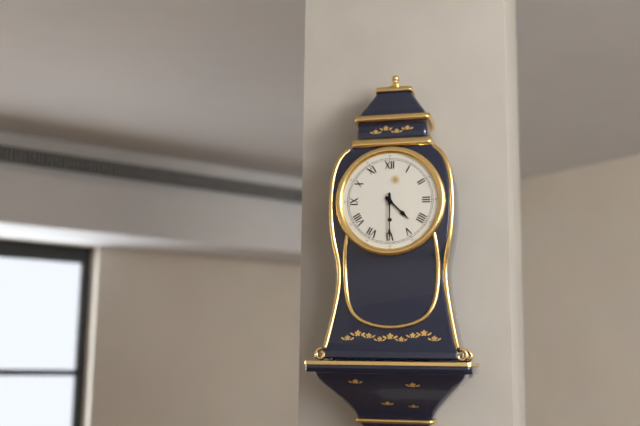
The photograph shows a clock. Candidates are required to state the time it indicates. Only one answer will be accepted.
4:30
